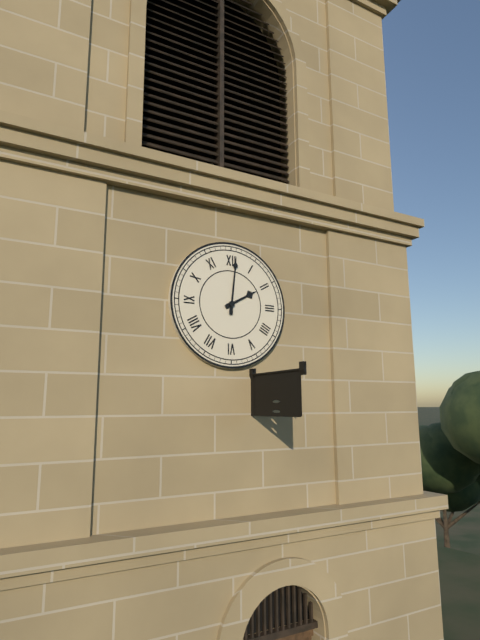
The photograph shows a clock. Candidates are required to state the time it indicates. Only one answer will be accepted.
2:01
